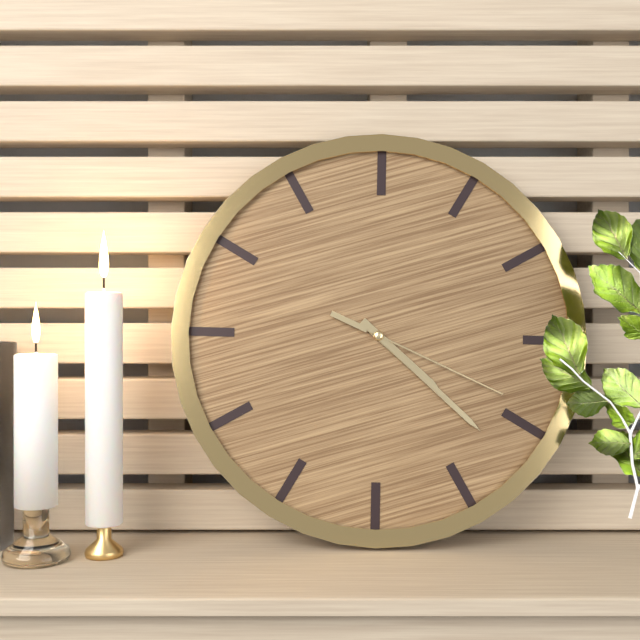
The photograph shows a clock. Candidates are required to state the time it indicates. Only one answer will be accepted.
4:22:19
